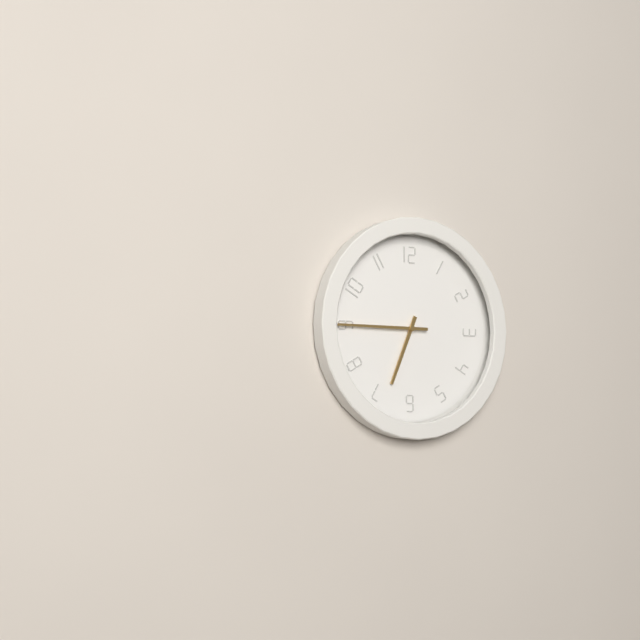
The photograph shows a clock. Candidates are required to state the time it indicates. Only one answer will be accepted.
6:45
